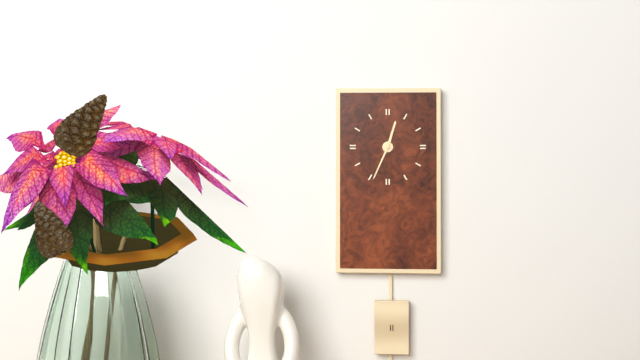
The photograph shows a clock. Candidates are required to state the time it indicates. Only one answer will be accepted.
12:34
